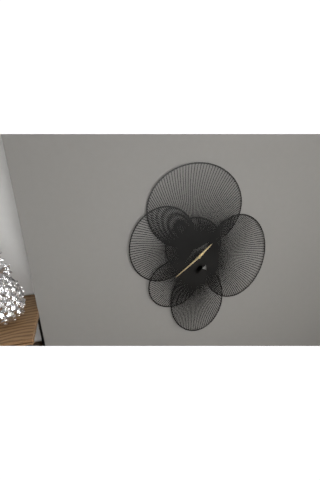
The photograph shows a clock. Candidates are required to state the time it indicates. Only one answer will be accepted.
1:39
